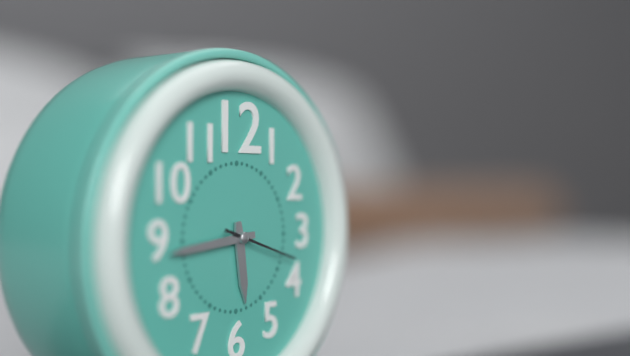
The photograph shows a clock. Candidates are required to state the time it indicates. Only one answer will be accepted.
5:44:18
